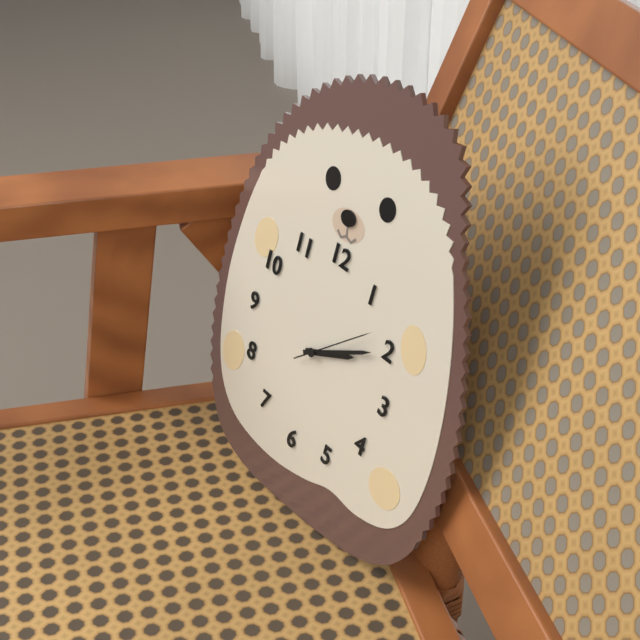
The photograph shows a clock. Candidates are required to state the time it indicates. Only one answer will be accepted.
2:10:08
